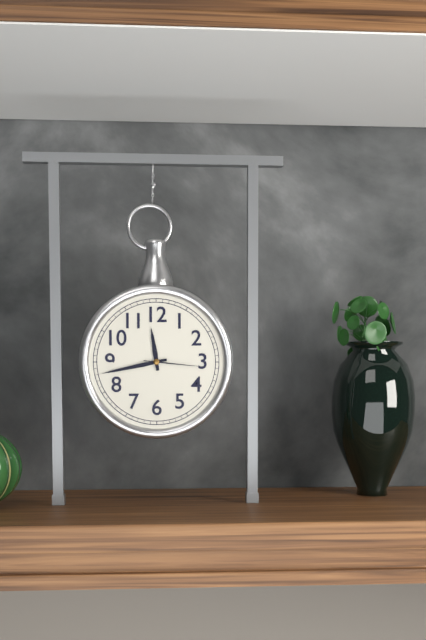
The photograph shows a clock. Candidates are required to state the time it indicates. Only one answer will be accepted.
11:43:16
